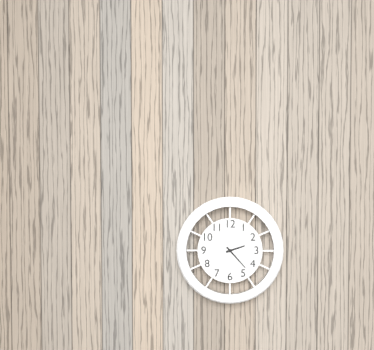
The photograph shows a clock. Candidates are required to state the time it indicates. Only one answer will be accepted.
2:23
